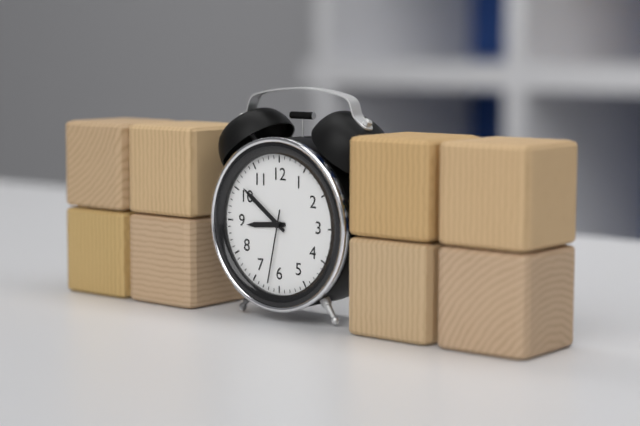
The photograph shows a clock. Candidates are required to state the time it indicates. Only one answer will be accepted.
8:51:32
